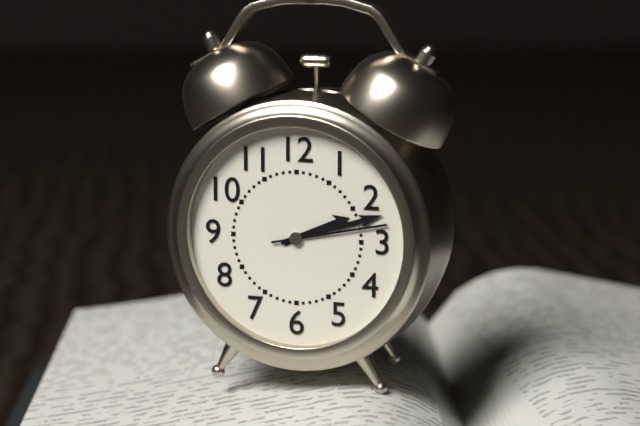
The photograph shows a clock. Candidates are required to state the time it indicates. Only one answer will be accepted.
2:12:13
